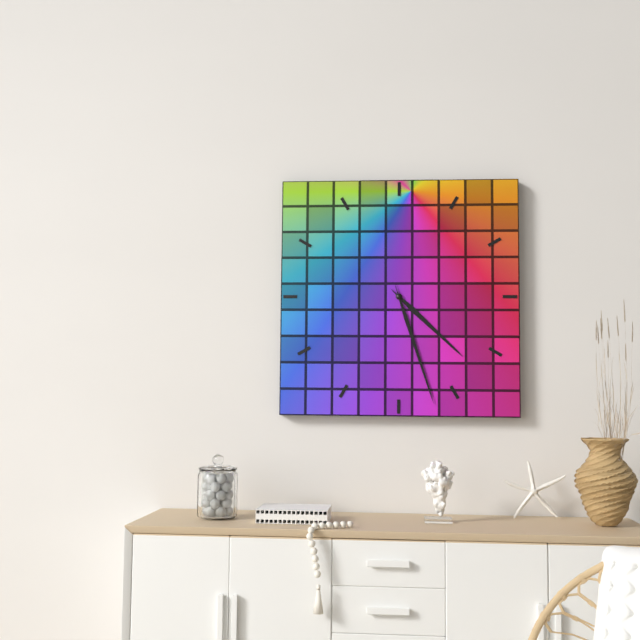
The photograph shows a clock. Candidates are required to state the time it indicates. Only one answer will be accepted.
4:27
